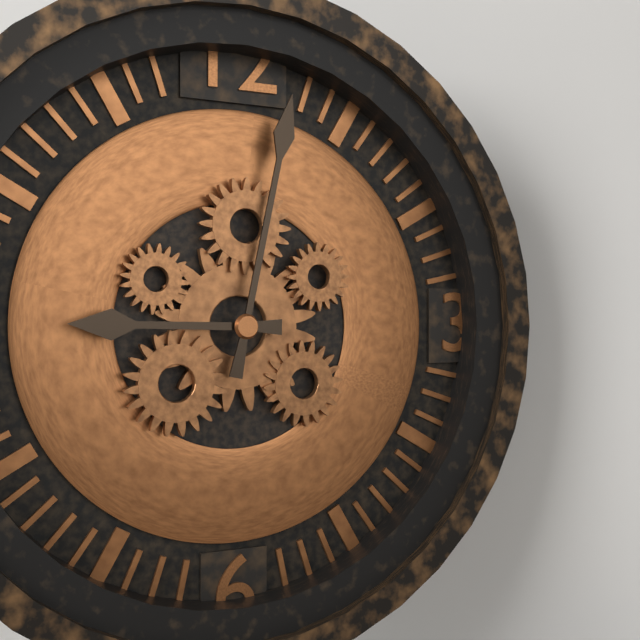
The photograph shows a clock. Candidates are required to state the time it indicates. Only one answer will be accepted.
9:02
